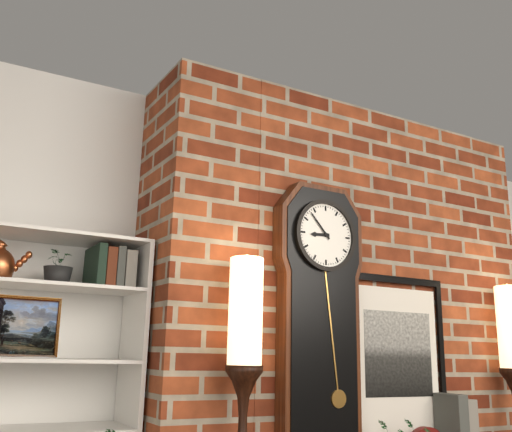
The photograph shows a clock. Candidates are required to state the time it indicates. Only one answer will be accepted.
8:53
